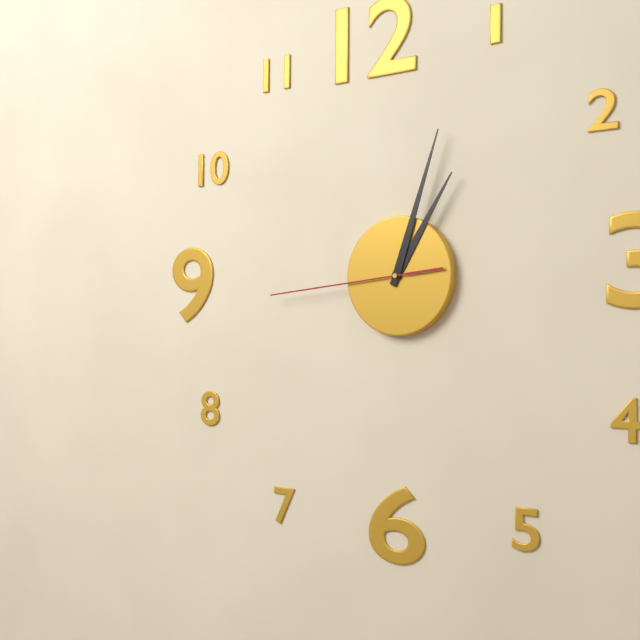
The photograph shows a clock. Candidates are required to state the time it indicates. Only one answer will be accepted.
1:03:44
